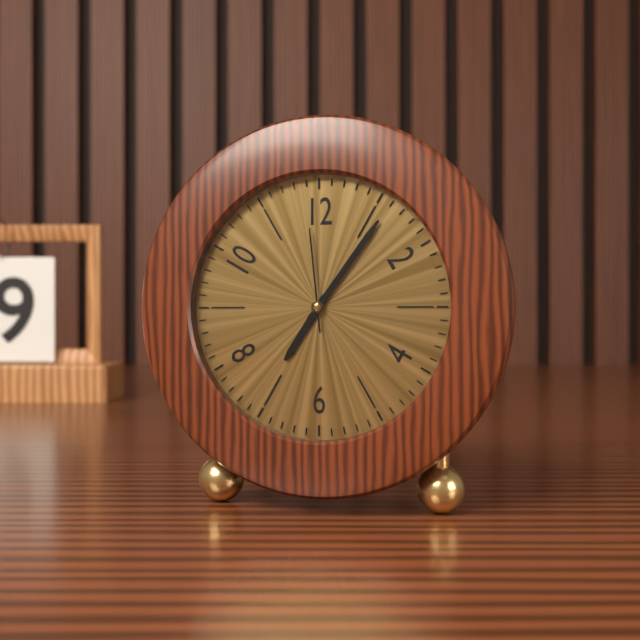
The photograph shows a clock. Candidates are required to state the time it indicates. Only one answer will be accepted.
7:06:59
